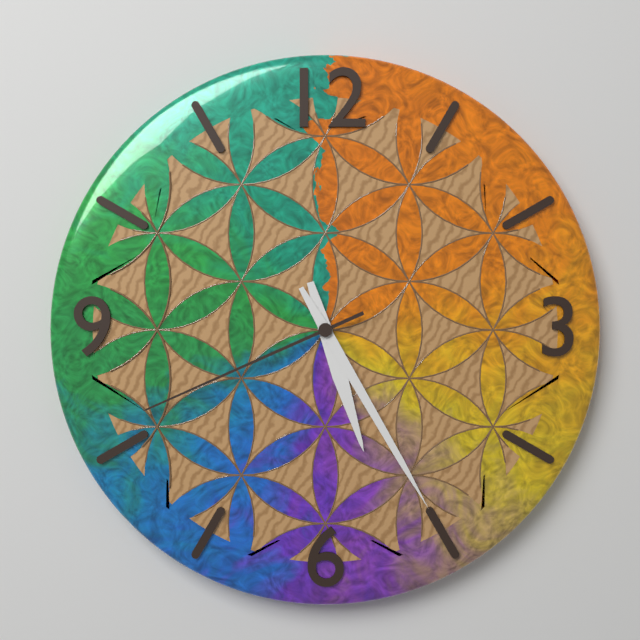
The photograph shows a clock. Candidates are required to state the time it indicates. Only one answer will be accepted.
5:25:41
